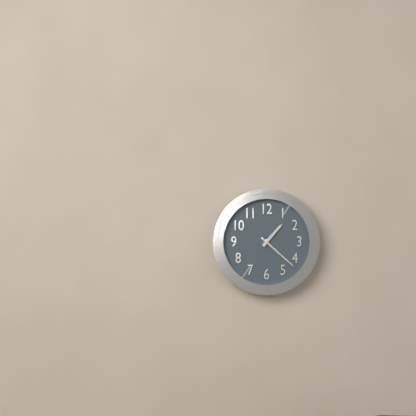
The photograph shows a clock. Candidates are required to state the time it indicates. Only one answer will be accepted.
1:22
